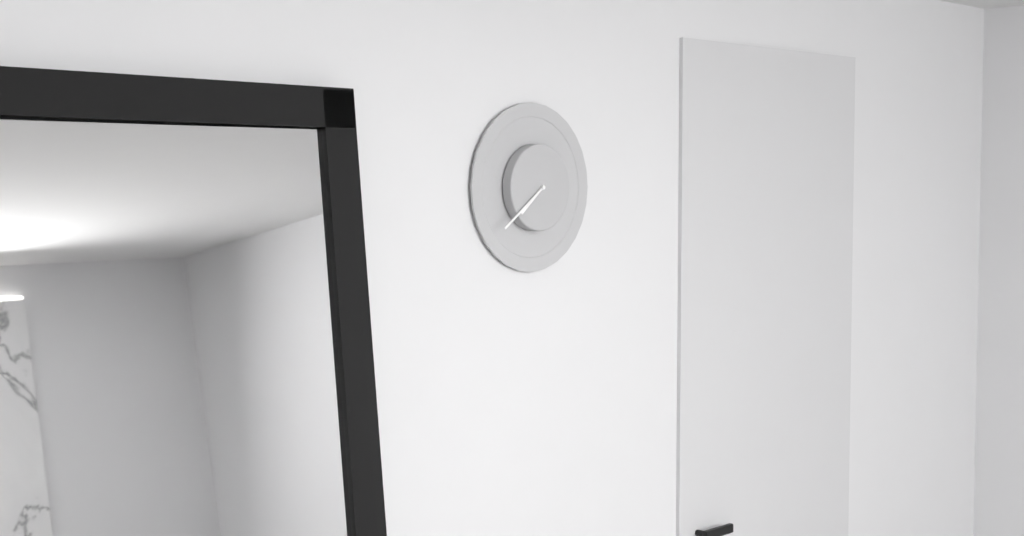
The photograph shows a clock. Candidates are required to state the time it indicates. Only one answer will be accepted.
7:39
